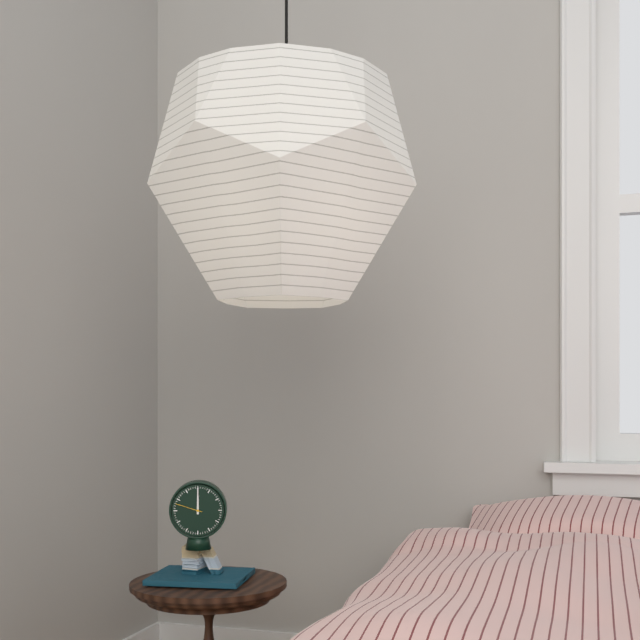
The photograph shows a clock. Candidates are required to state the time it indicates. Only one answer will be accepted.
12:00
